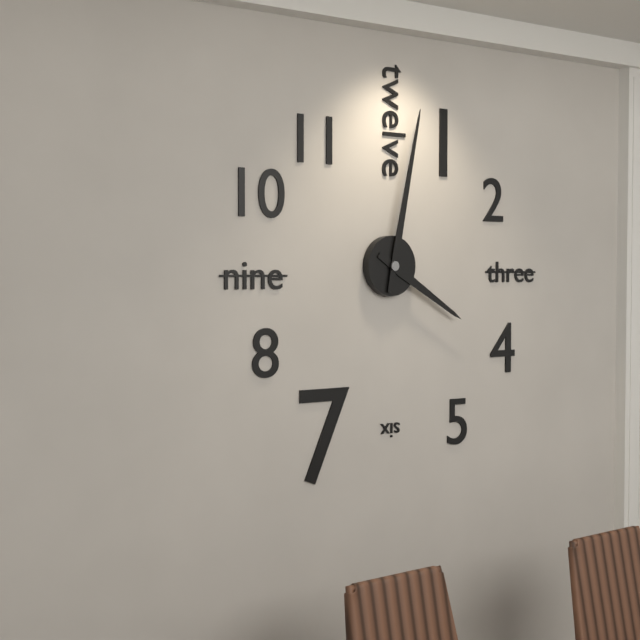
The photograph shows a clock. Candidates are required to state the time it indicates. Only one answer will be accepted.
4:02
